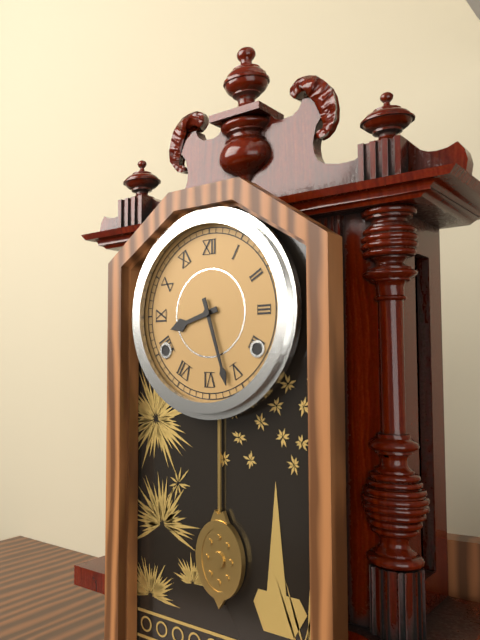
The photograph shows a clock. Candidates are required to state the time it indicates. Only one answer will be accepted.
8:27
